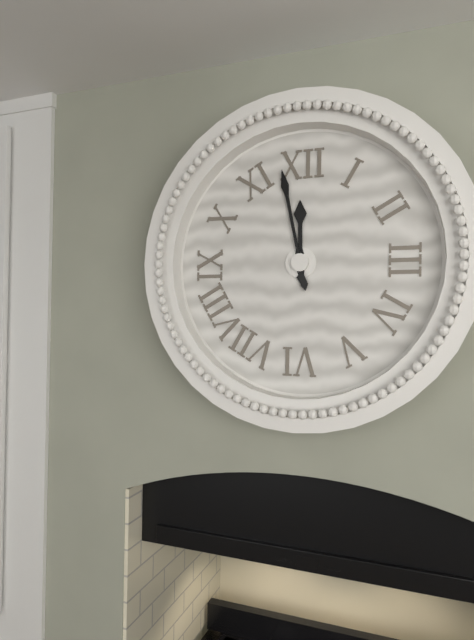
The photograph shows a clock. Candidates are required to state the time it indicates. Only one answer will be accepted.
11:58
